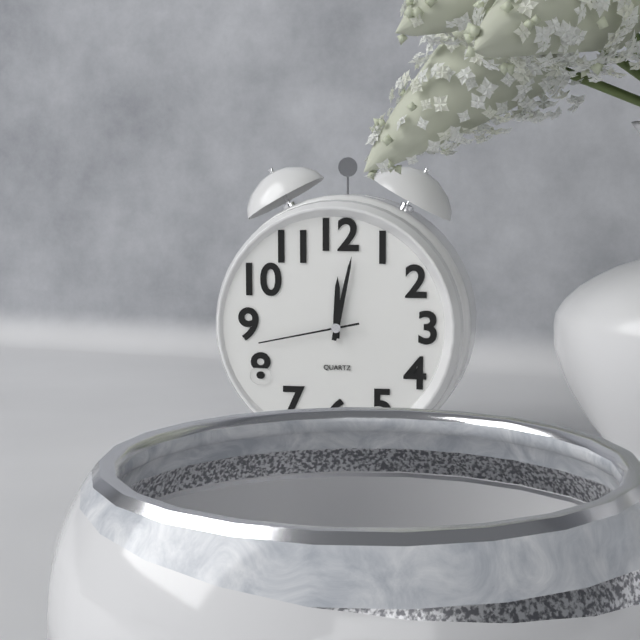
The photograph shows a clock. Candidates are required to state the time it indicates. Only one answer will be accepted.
12:02:43
